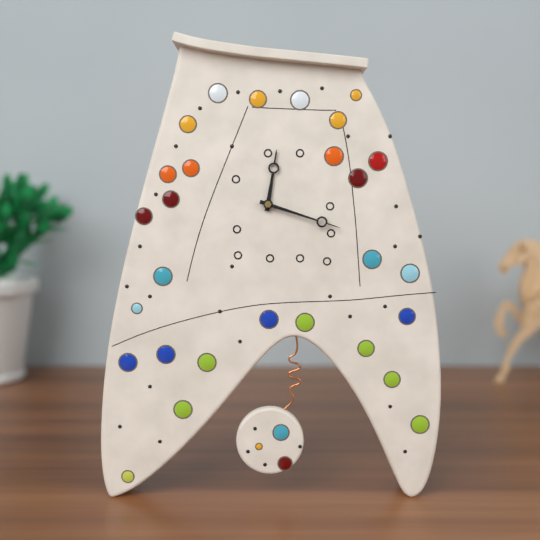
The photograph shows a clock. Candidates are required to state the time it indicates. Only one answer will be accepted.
12:18
